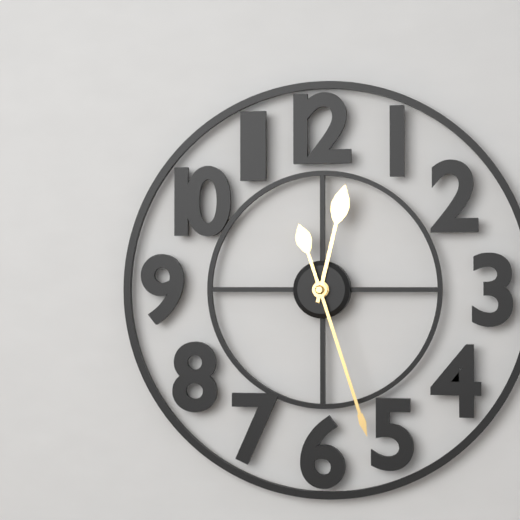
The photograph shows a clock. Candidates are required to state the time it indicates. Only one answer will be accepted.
12:27
